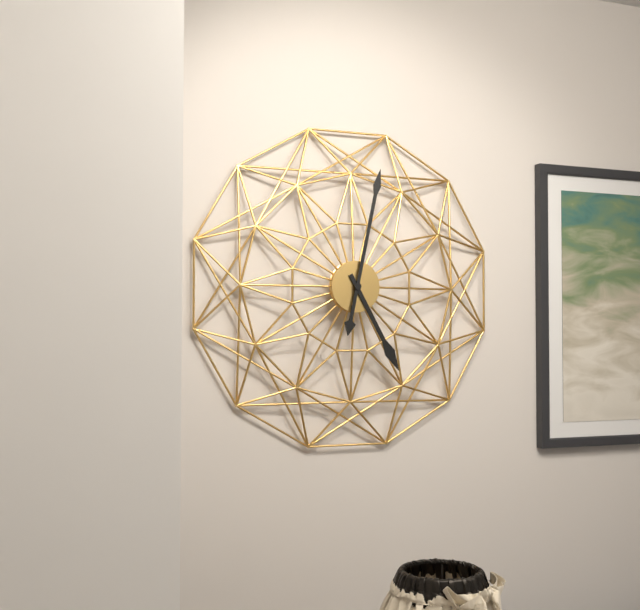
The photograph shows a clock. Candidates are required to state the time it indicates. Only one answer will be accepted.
5:02
